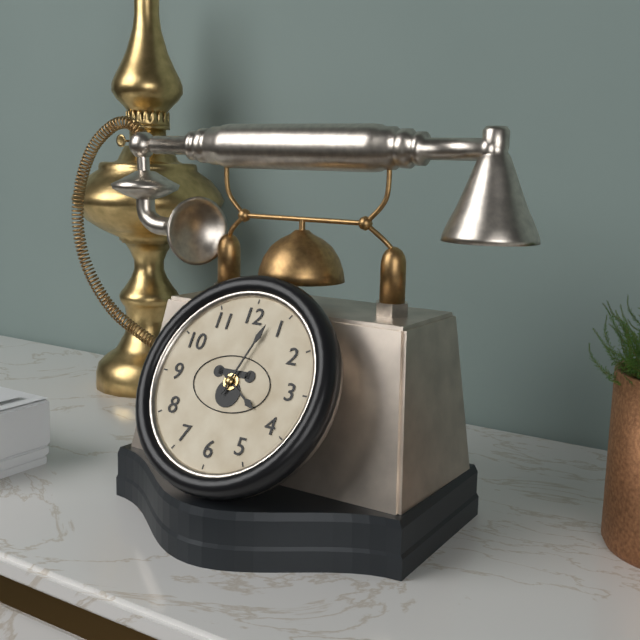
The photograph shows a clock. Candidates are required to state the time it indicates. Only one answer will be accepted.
4:03
